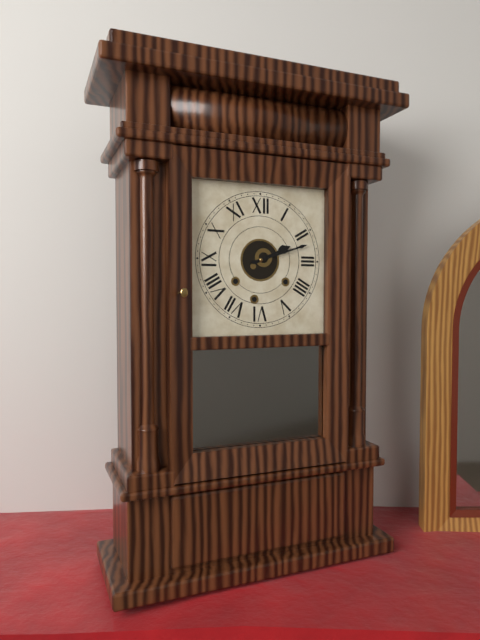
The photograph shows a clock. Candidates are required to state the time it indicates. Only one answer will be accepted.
2:12
